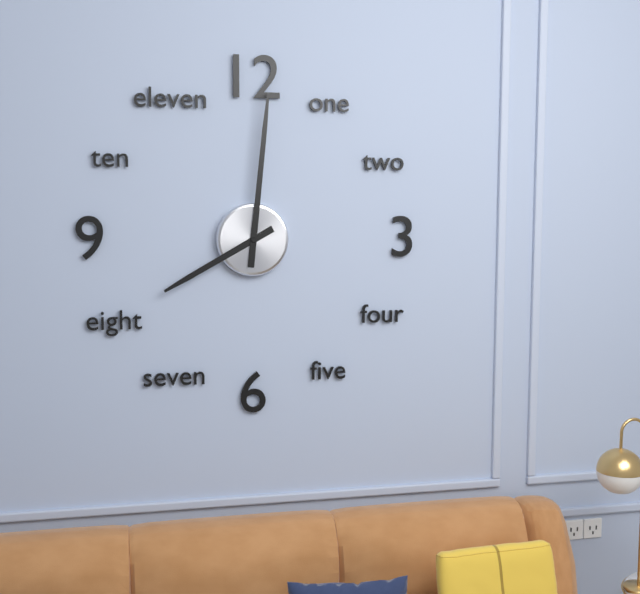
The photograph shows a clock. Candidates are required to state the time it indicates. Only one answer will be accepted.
8:01
